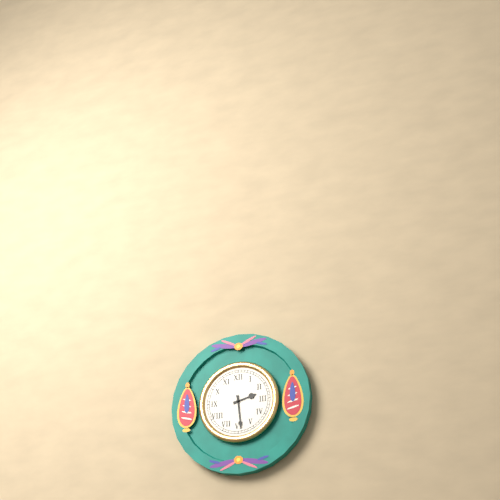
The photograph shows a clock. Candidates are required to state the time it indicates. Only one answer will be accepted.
2:29
